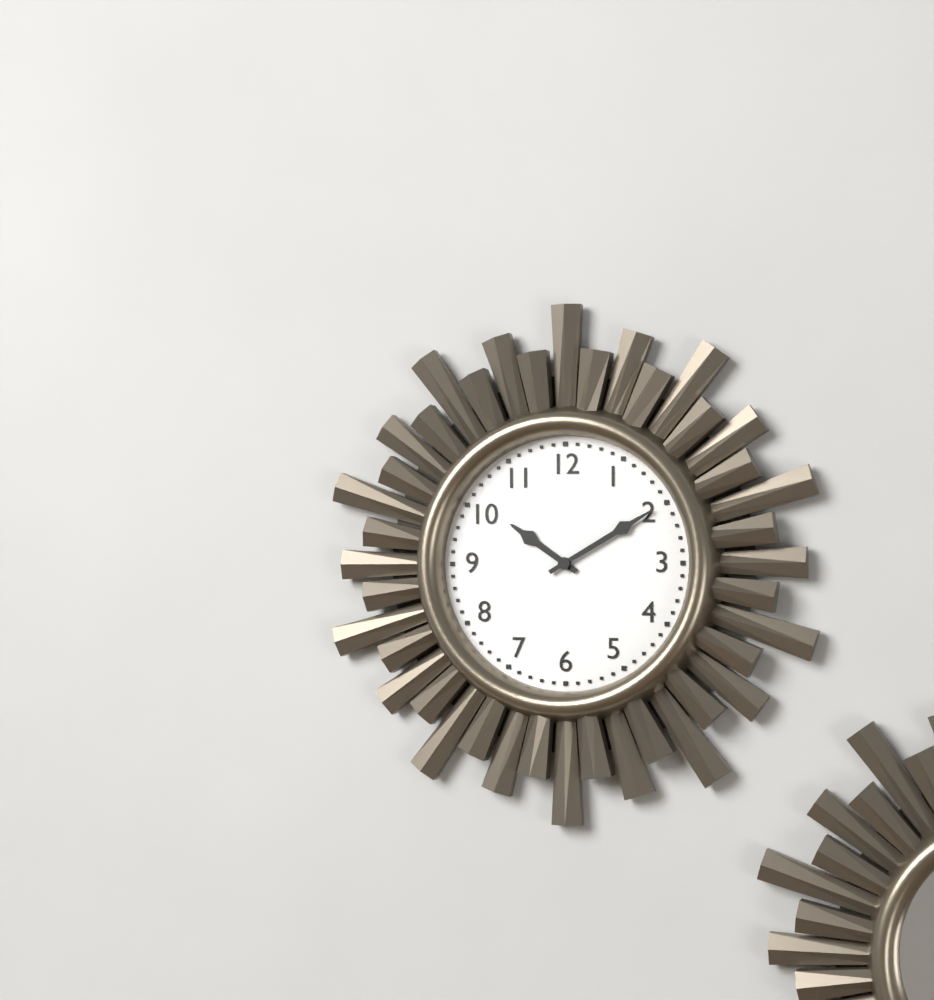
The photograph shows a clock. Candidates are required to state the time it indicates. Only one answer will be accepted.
10:10
